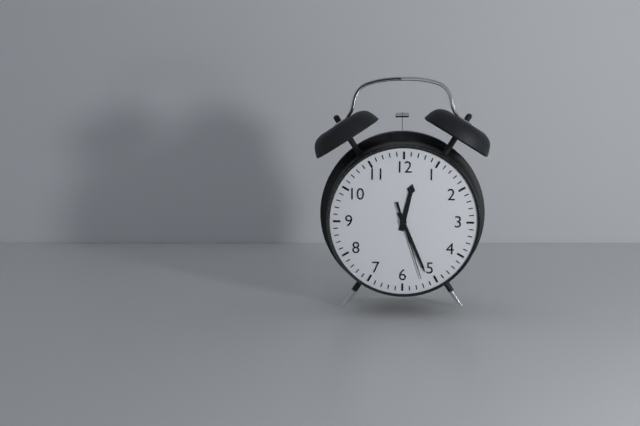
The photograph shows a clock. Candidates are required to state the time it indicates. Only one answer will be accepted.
12:26:27
